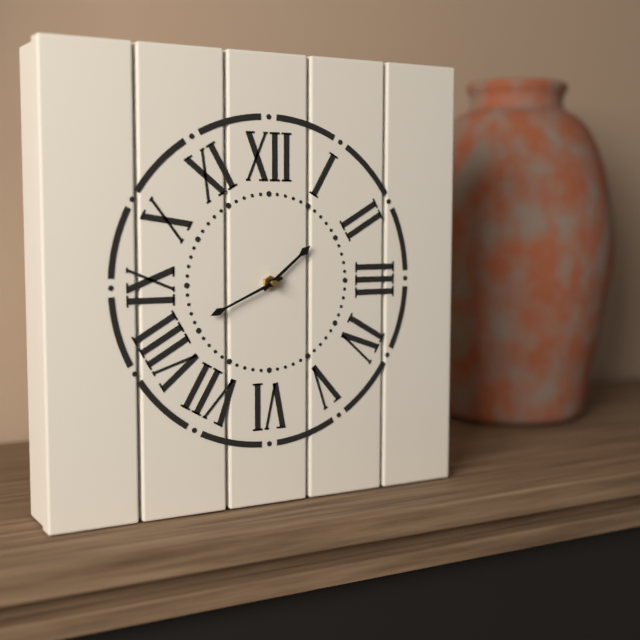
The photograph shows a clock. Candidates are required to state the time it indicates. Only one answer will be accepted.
1:41
